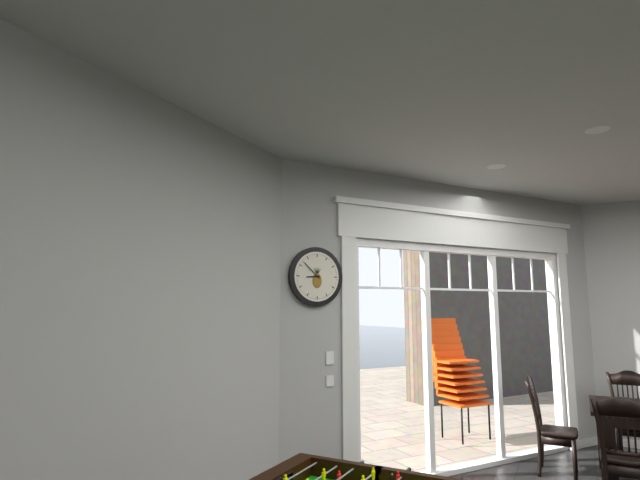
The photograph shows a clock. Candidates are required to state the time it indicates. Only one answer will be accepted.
8:52
